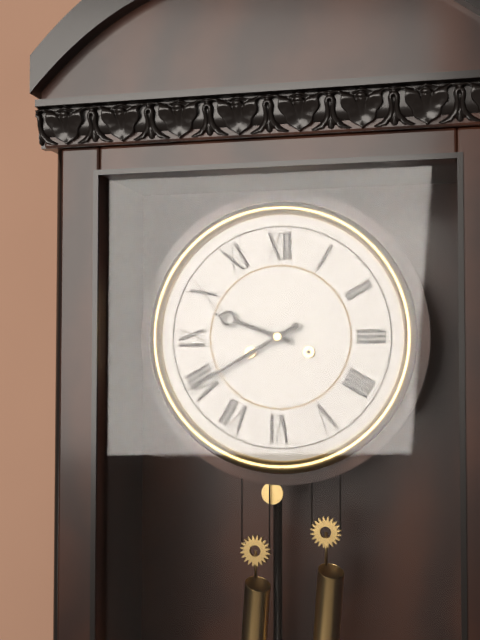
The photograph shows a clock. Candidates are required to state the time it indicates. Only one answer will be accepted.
9:40
